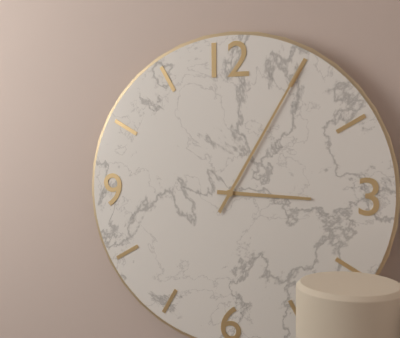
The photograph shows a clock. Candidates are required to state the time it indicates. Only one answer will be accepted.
3:05
